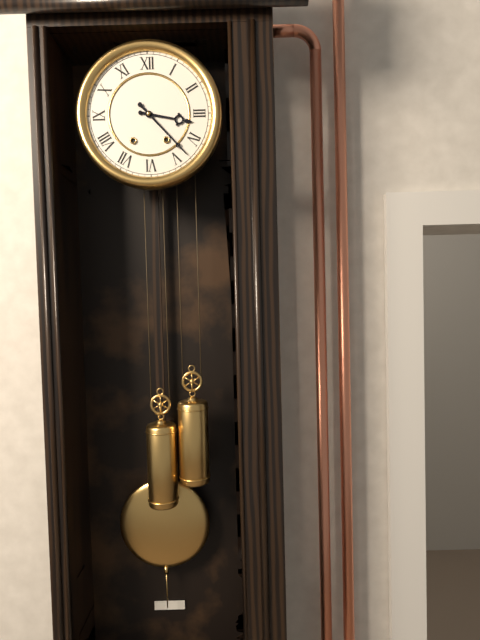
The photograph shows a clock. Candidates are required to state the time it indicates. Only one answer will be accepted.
3:23
